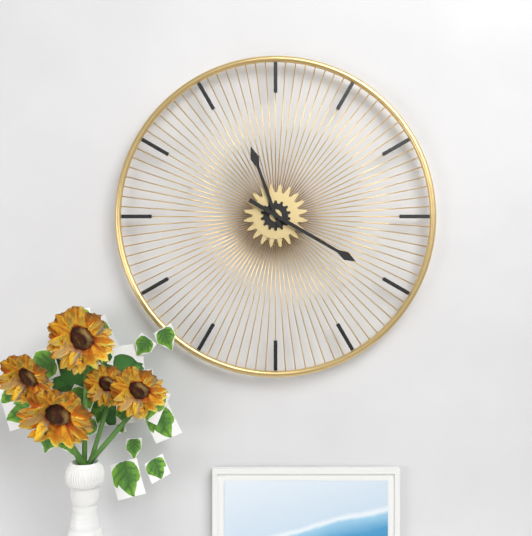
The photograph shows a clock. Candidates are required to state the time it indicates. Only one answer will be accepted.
11:20
